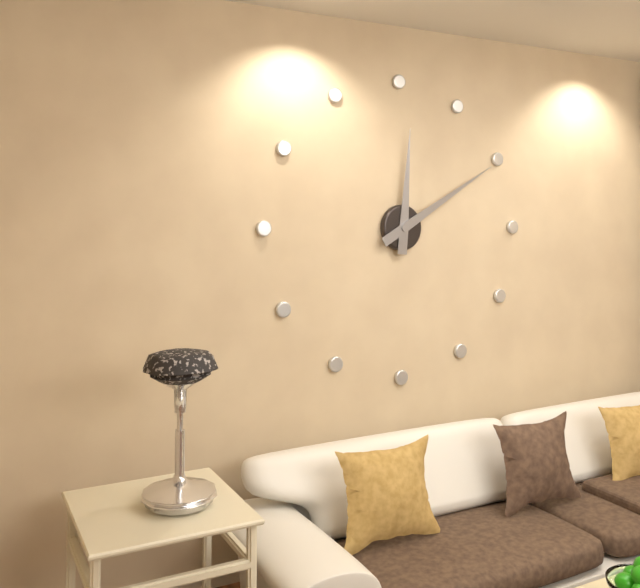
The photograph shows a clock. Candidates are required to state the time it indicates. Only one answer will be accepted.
12:10
